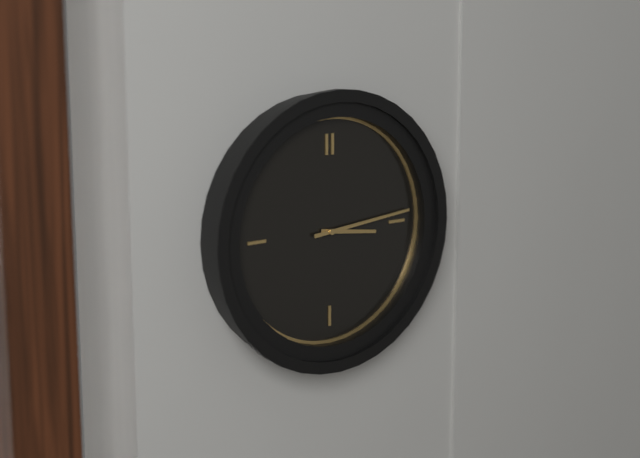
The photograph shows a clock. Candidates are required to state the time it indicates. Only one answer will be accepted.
3:14
